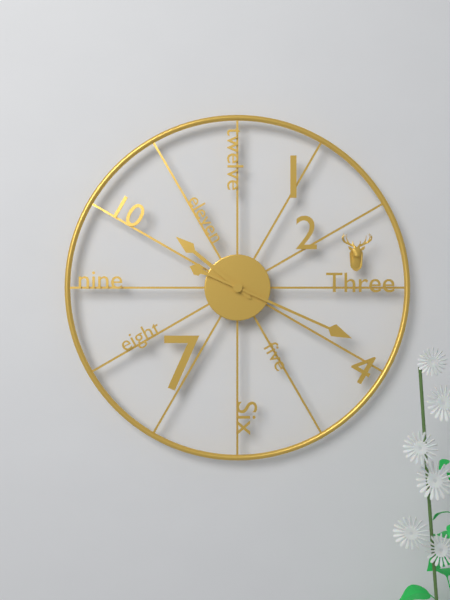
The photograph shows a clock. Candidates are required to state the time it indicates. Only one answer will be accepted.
10:19
